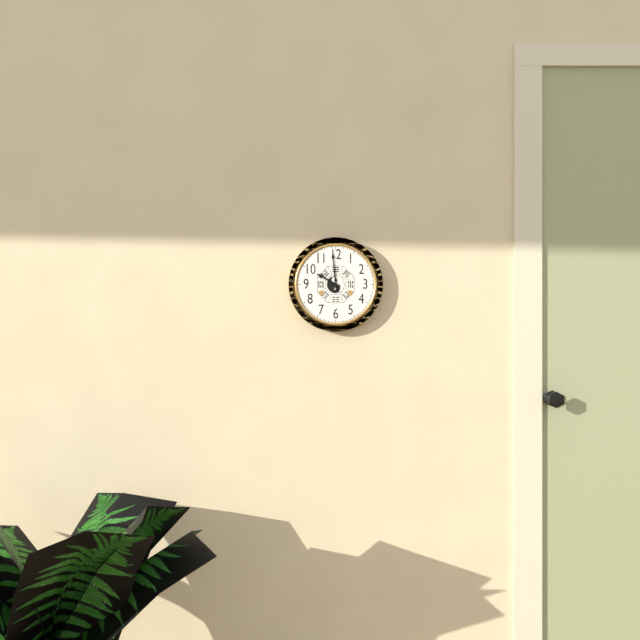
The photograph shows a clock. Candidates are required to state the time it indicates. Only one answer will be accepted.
9:59
